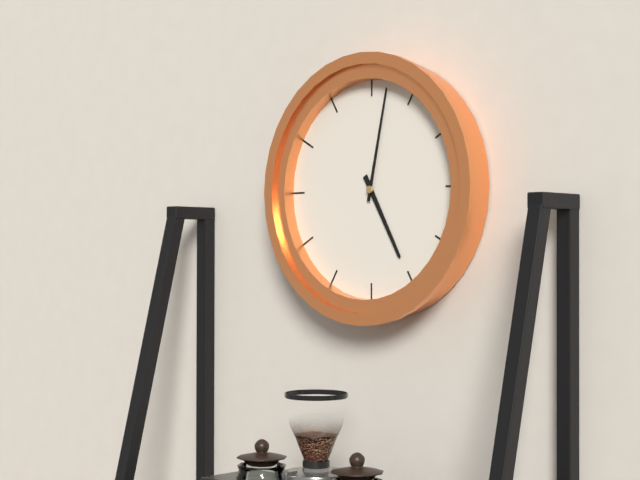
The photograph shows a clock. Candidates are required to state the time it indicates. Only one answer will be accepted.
5:02
